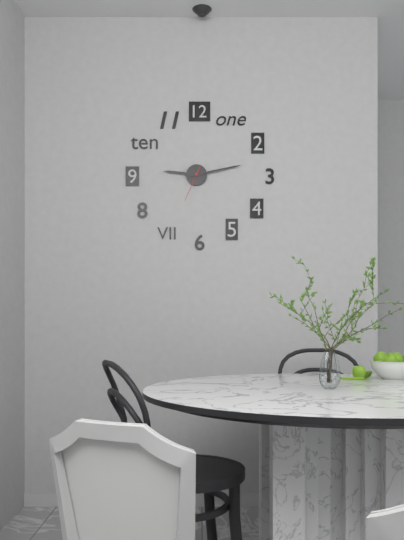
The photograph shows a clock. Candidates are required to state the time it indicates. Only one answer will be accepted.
9:13
